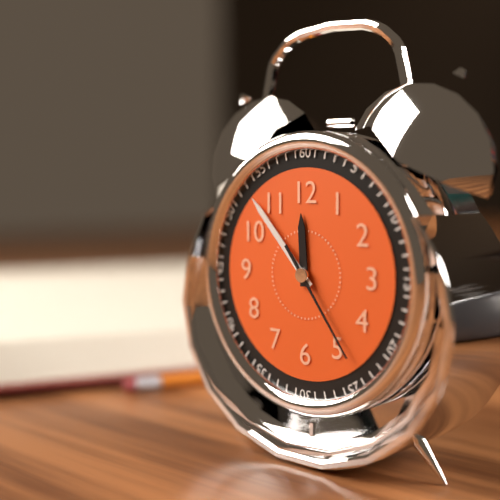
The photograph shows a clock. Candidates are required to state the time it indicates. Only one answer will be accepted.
11:53:24
